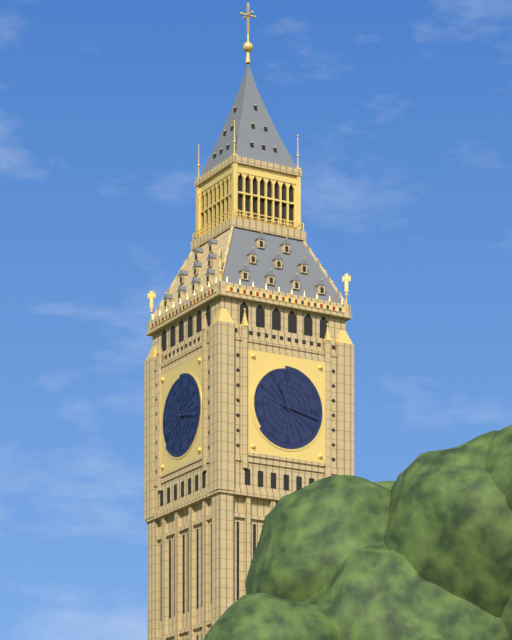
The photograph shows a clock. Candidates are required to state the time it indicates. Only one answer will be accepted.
11:17
